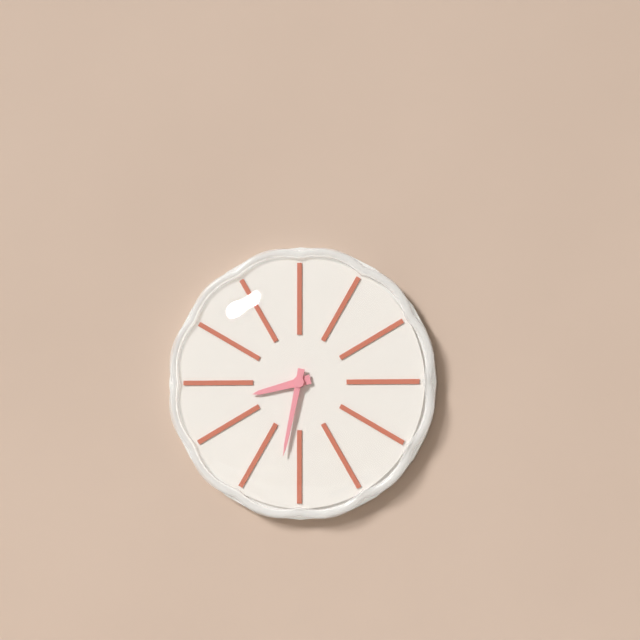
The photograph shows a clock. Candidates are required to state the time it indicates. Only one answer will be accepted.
8:32
